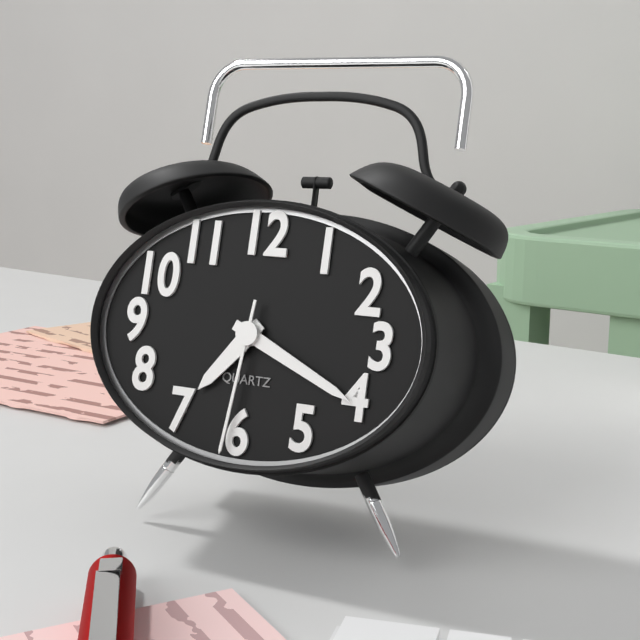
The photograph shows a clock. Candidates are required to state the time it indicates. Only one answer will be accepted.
7:19:31
